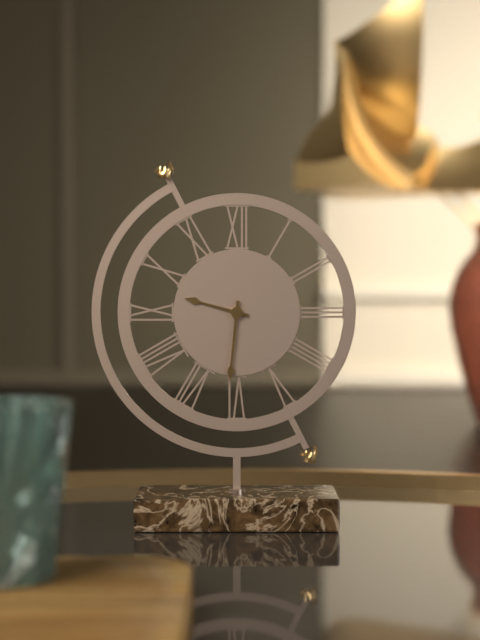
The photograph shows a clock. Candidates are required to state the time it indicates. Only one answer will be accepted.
9:31
